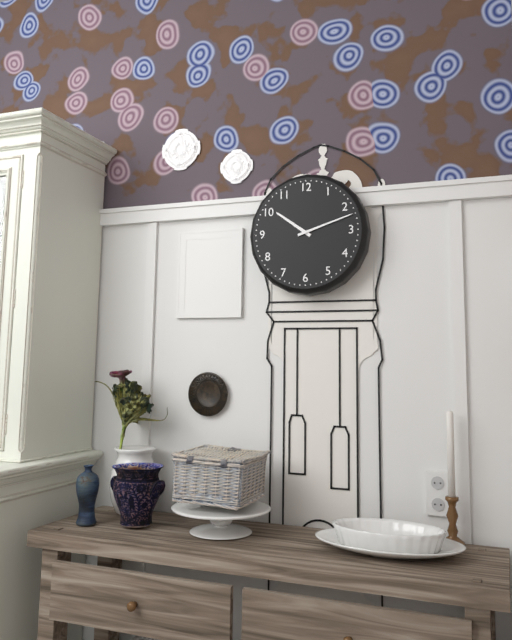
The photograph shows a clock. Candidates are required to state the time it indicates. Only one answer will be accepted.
10:12
